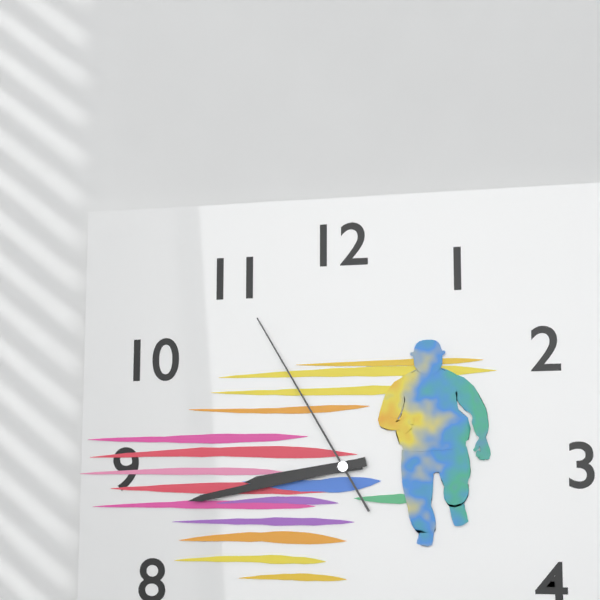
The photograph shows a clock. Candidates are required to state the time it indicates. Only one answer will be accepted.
8:43:55
